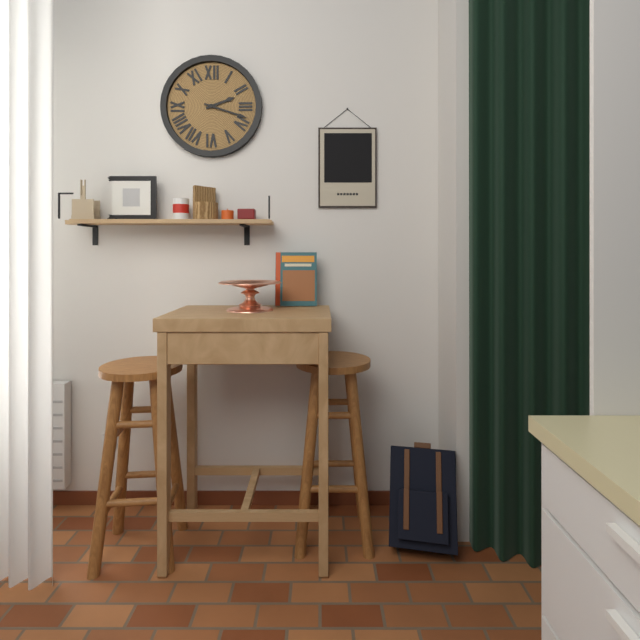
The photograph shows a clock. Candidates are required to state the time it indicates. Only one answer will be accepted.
2:18
